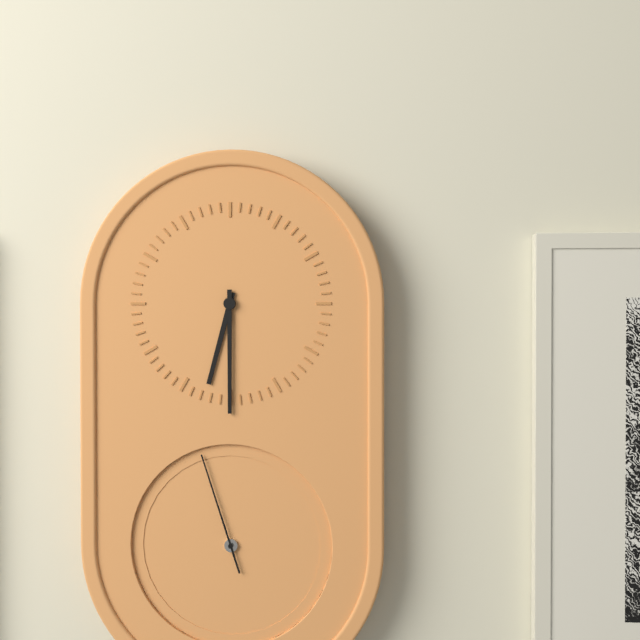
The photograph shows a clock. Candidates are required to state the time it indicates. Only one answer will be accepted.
6:30:57
